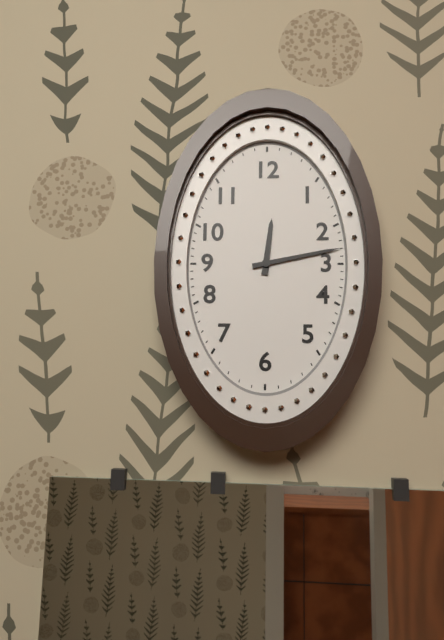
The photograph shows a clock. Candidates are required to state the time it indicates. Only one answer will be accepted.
12:13
